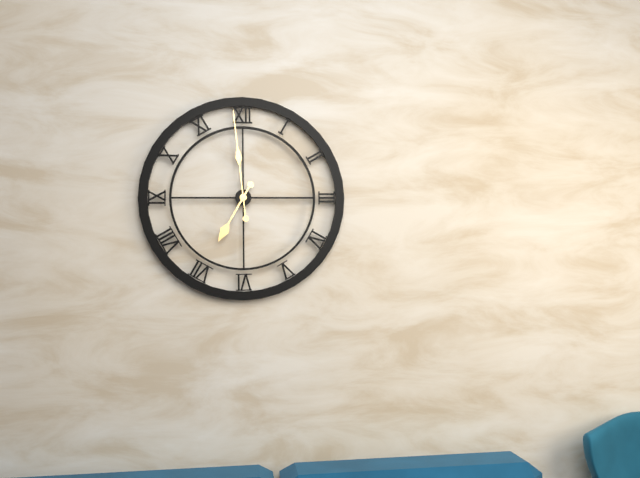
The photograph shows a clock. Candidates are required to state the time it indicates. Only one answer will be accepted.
6:59
